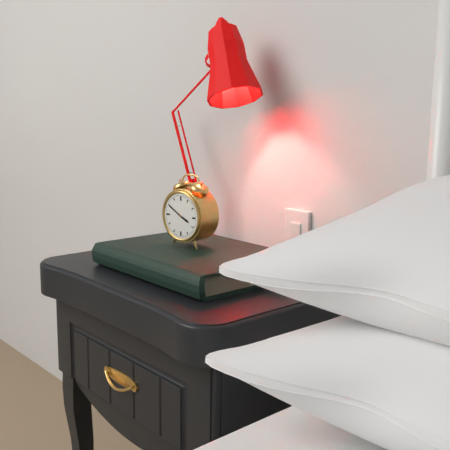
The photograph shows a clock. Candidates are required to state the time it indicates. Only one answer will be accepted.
3:50
